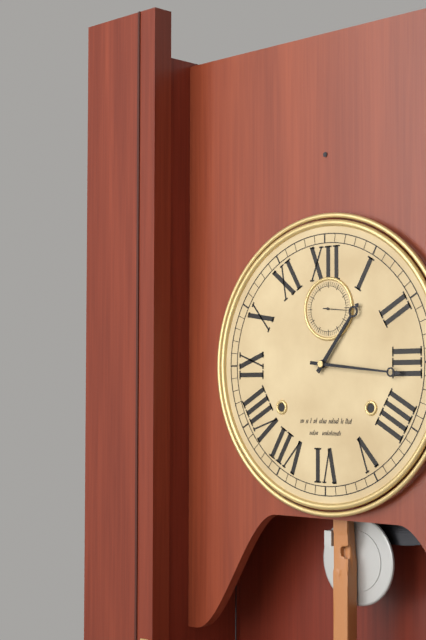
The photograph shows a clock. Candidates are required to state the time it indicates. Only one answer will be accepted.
1:16
